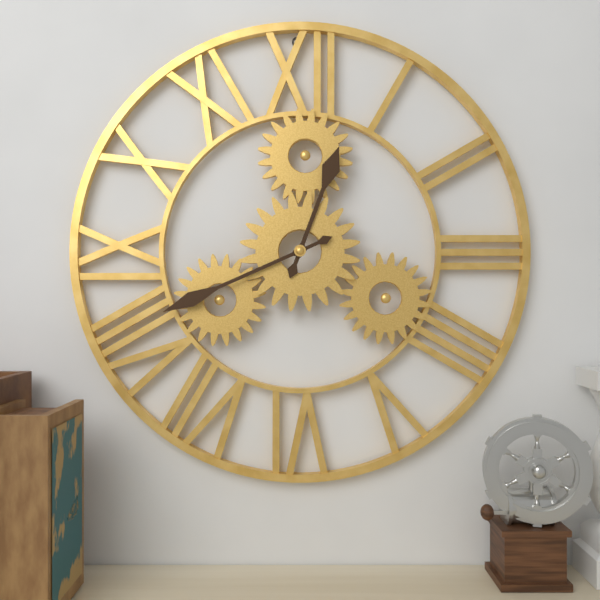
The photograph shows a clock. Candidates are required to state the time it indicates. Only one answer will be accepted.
12:41
